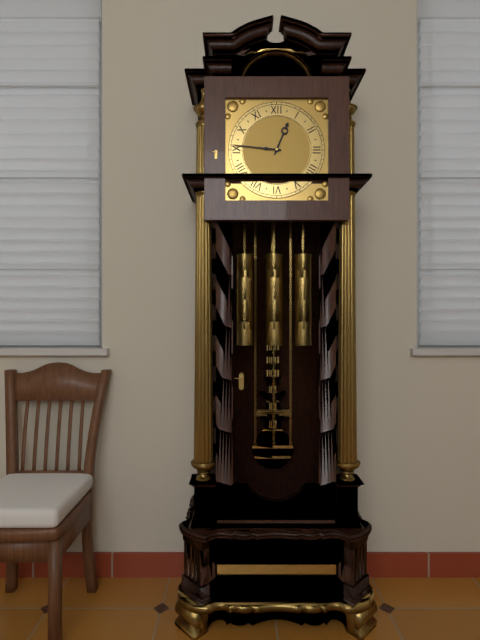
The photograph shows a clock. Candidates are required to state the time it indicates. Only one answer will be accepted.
12:46
